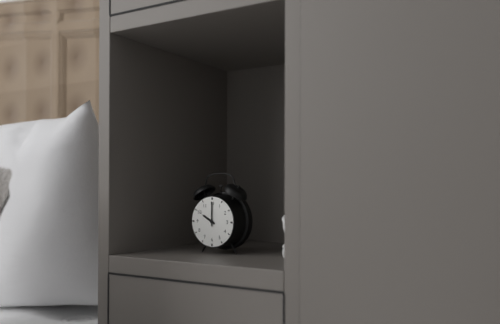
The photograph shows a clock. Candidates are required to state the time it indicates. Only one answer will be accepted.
10:00
